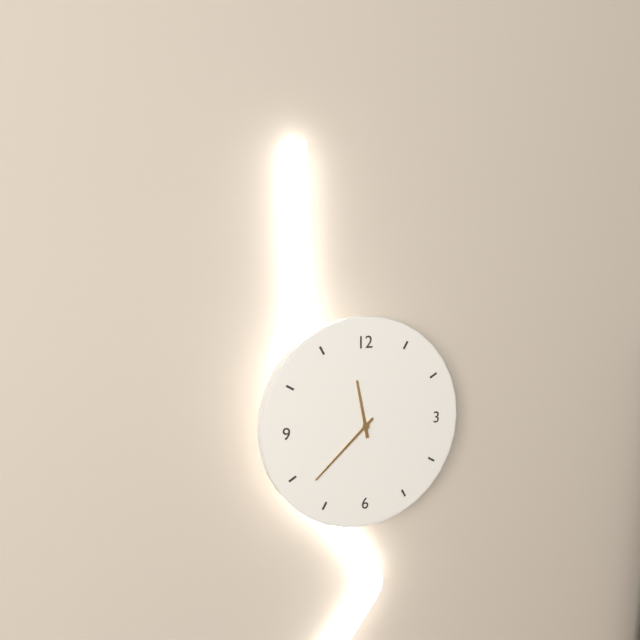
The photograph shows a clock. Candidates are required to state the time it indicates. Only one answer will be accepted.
11:38
